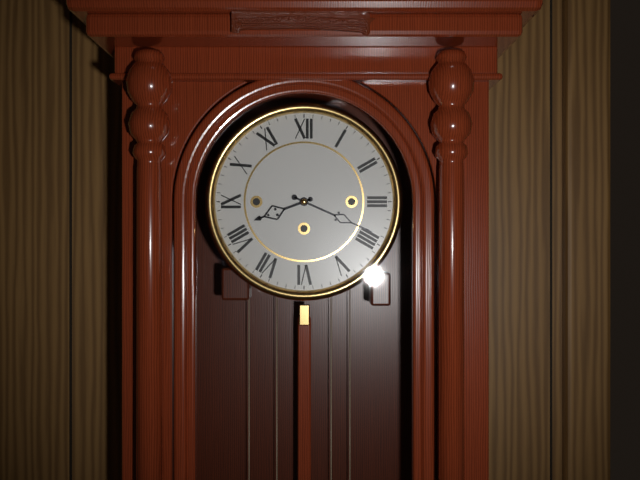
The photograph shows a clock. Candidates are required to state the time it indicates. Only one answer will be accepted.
8:19
